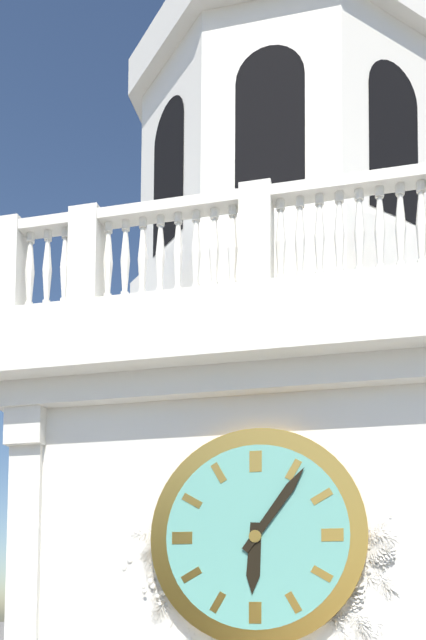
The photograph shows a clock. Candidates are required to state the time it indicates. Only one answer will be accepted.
6:06
